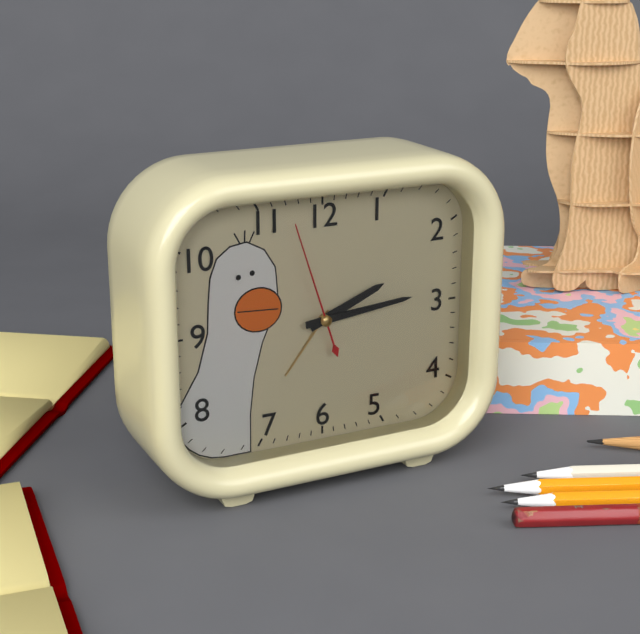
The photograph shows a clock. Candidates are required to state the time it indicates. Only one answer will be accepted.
2:14:57
